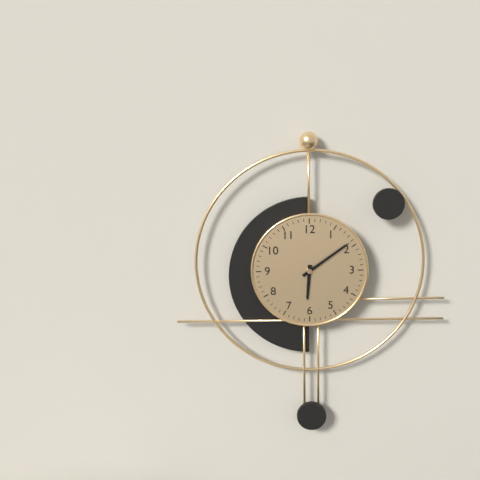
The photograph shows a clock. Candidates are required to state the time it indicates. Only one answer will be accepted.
6:09
